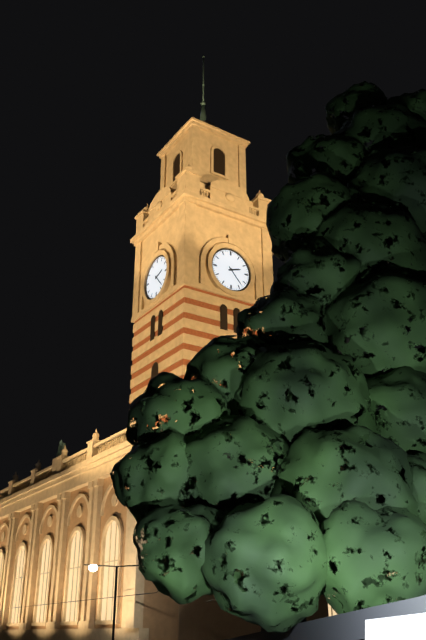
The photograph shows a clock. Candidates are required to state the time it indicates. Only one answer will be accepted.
2:23
